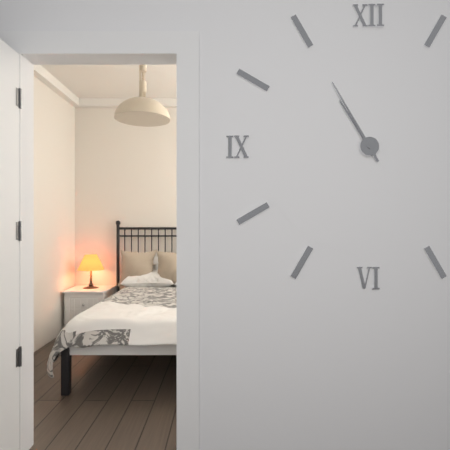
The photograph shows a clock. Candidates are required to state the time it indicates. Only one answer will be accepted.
10:55
